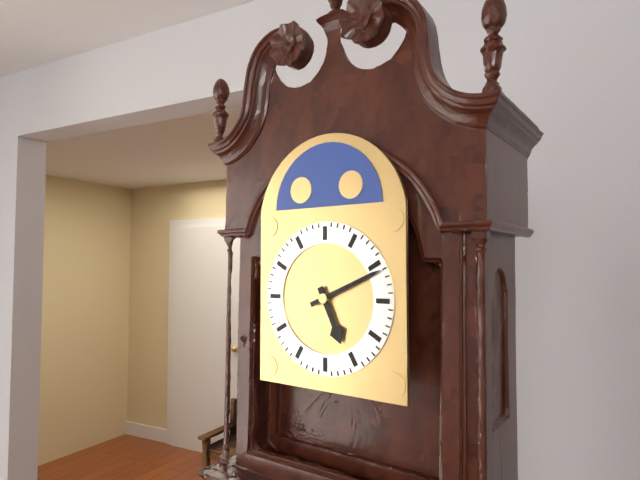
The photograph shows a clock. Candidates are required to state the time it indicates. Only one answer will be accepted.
5:11
